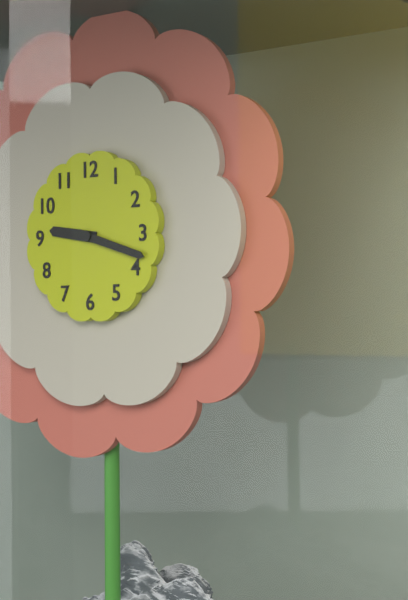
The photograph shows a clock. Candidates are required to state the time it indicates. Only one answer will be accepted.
9:18
